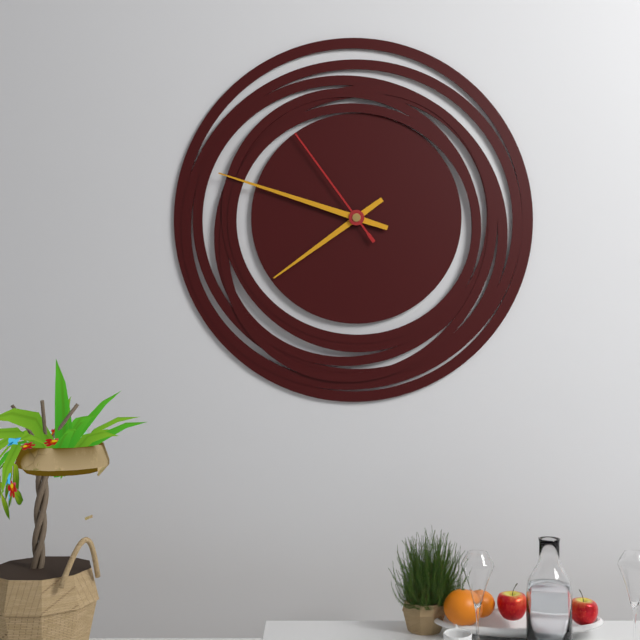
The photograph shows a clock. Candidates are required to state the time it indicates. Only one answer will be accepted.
7:48:54
